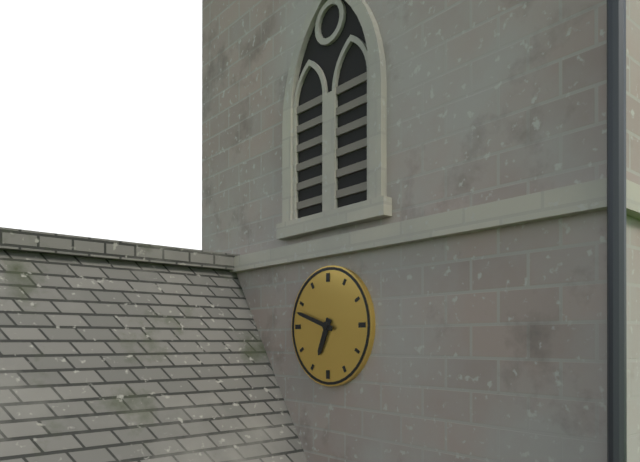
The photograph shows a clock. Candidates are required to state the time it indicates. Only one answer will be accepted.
6:48
